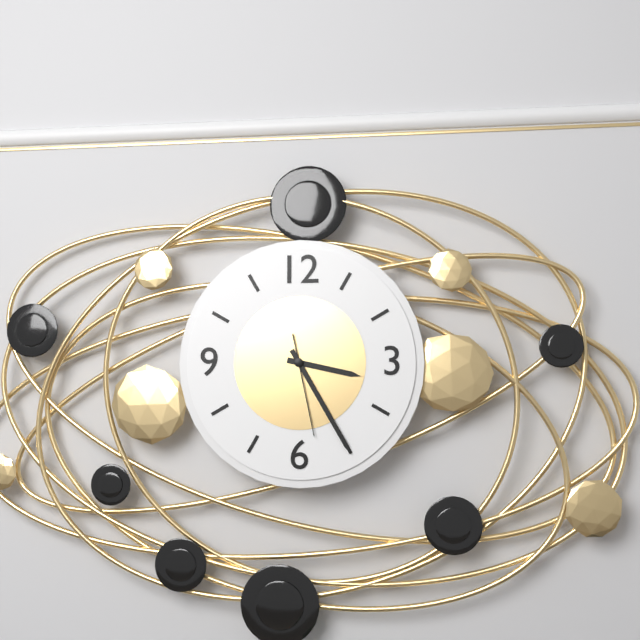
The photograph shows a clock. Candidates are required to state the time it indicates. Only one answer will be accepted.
3:25:28
